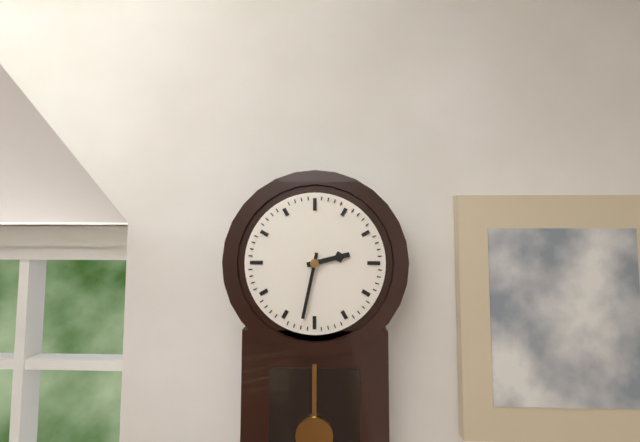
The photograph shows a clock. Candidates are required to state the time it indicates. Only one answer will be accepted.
2:32
